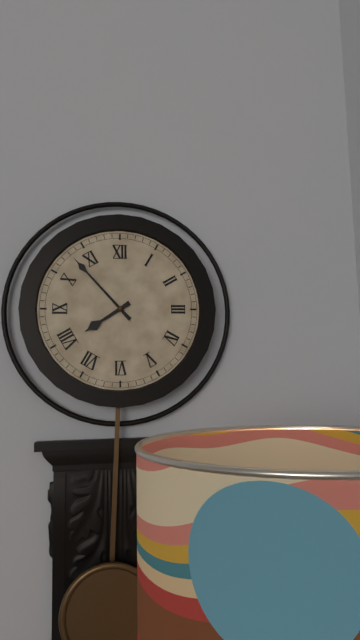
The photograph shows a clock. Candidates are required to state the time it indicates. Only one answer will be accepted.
7:53
